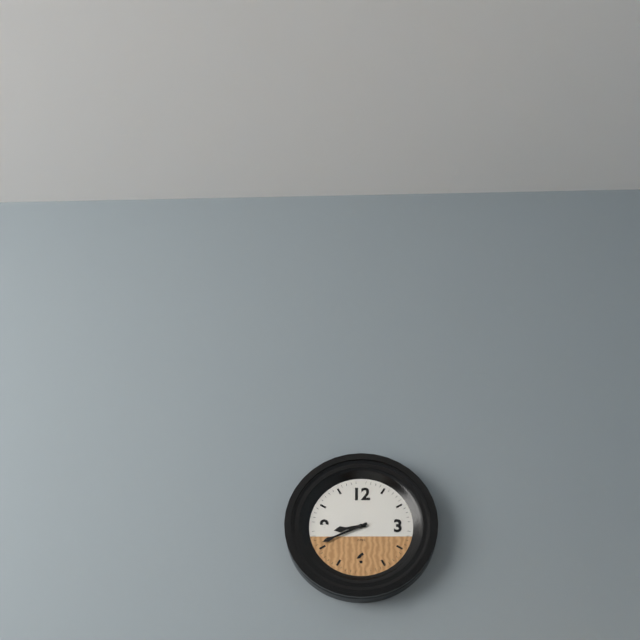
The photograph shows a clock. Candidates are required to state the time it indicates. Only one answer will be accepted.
8:41
